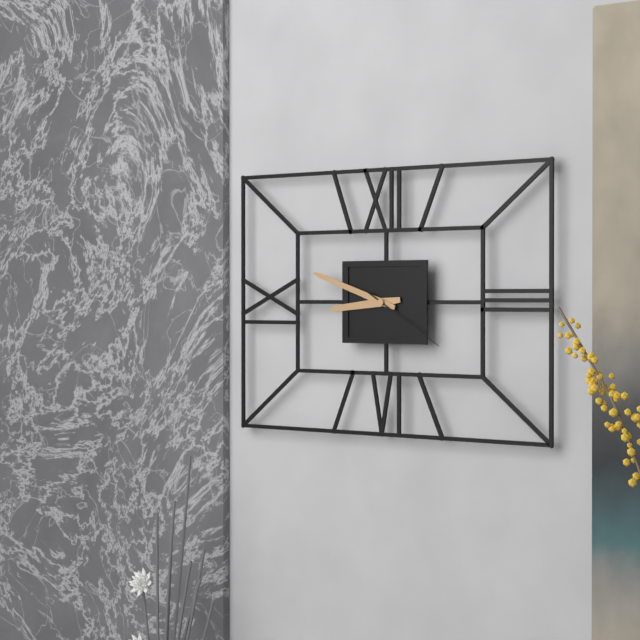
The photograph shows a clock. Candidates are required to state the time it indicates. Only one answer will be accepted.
8:48:20
